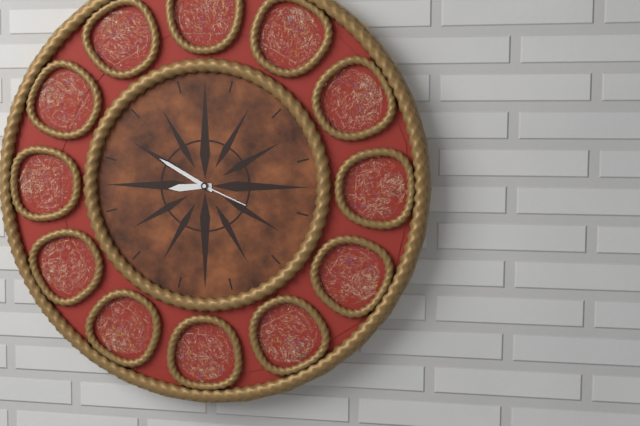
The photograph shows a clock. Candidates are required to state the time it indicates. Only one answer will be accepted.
8:50:19
